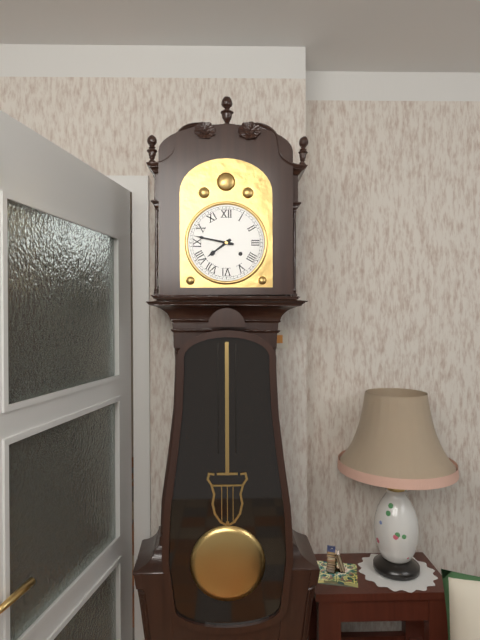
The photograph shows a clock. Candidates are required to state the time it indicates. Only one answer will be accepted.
7:47
